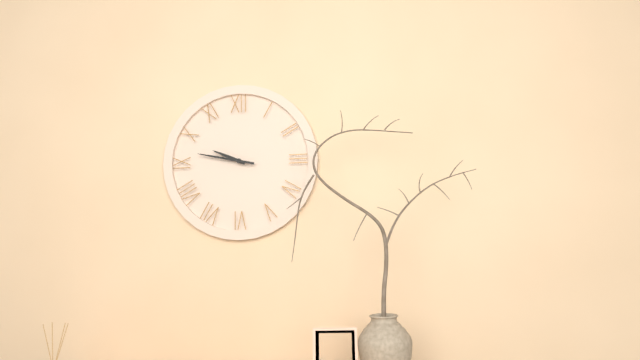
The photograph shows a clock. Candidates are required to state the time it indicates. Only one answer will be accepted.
9:47
